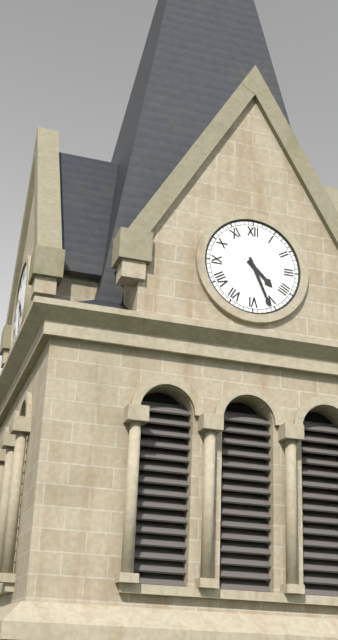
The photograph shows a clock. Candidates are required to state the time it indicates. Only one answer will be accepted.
4:26
